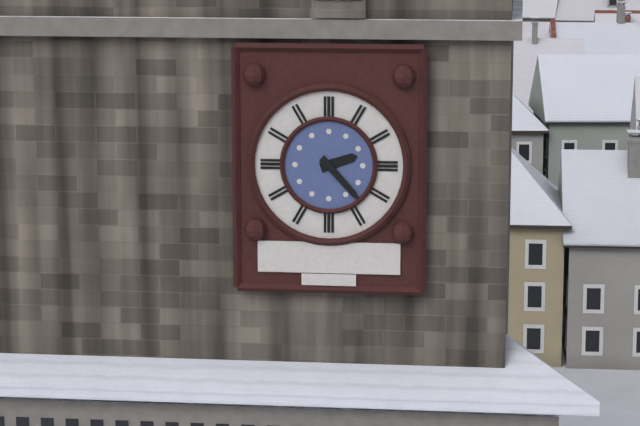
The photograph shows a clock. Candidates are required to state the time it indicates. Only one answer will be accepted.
2:23
